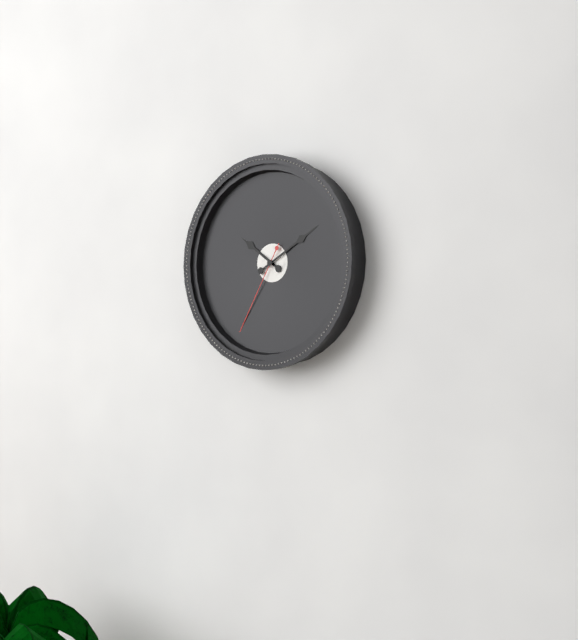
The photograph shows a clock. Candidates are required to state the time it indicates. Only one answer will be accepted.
10:10:35
